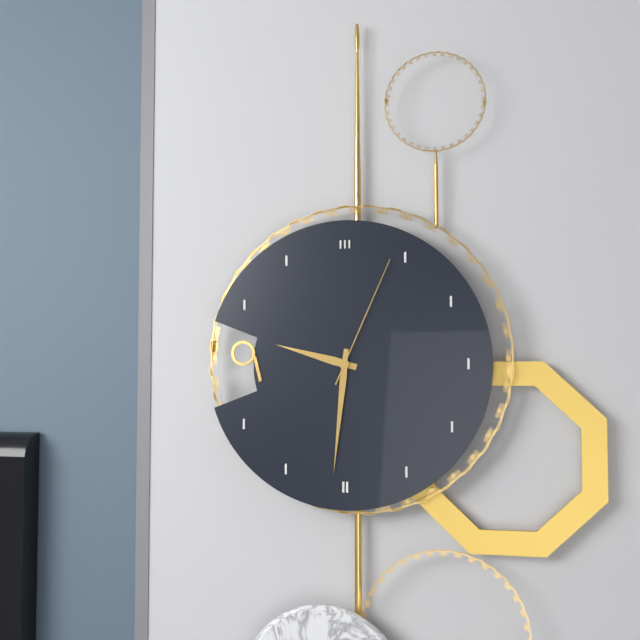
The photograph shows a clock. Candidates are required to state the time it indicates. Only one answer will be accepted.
9:31:04
